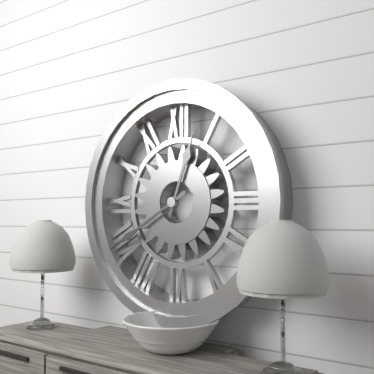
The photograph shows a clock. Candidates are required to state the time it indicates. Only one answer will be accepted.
12:40
